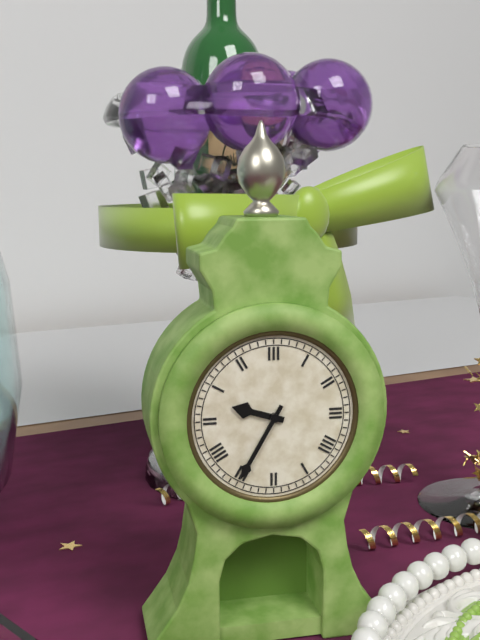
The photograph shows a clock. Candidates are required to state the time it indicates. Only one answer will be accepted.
9:35
